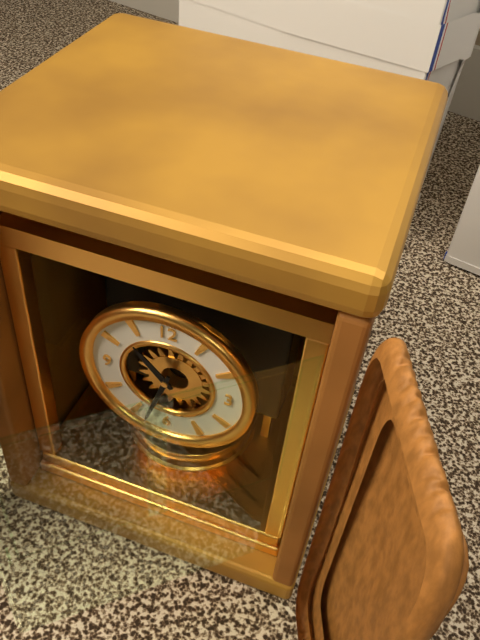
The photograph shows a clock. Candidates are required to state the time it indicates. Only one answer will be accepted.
10:33
